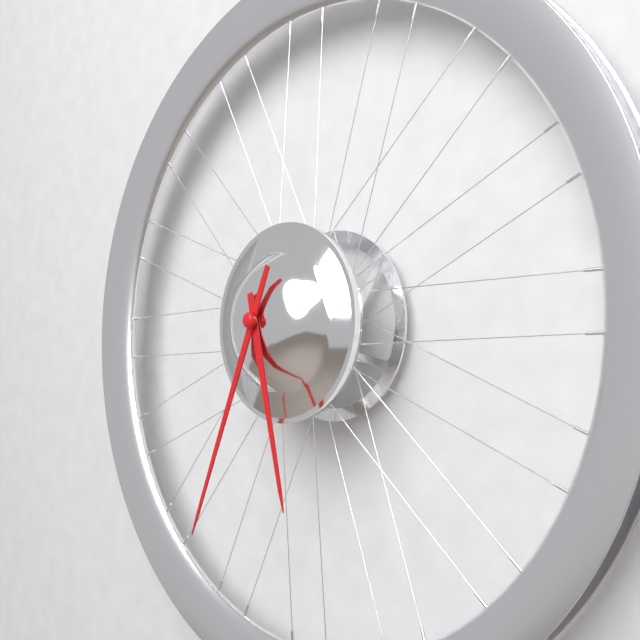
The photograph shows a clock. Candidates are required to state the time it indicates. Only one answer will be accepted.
5:34
